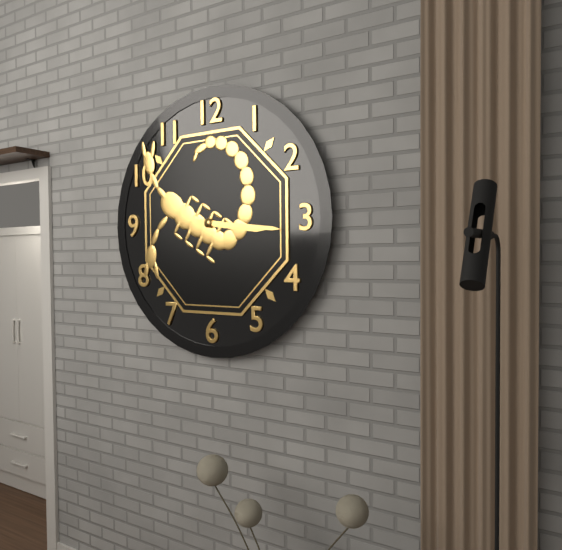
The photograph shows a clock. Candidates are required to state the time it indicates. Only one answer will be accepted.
3:16
